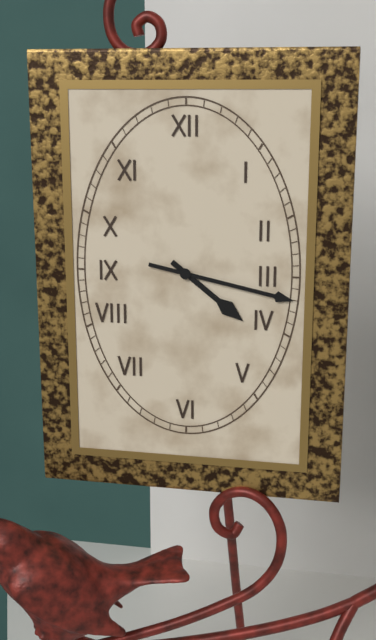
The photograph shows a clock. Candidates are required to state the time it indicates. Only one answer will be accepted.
4:17
